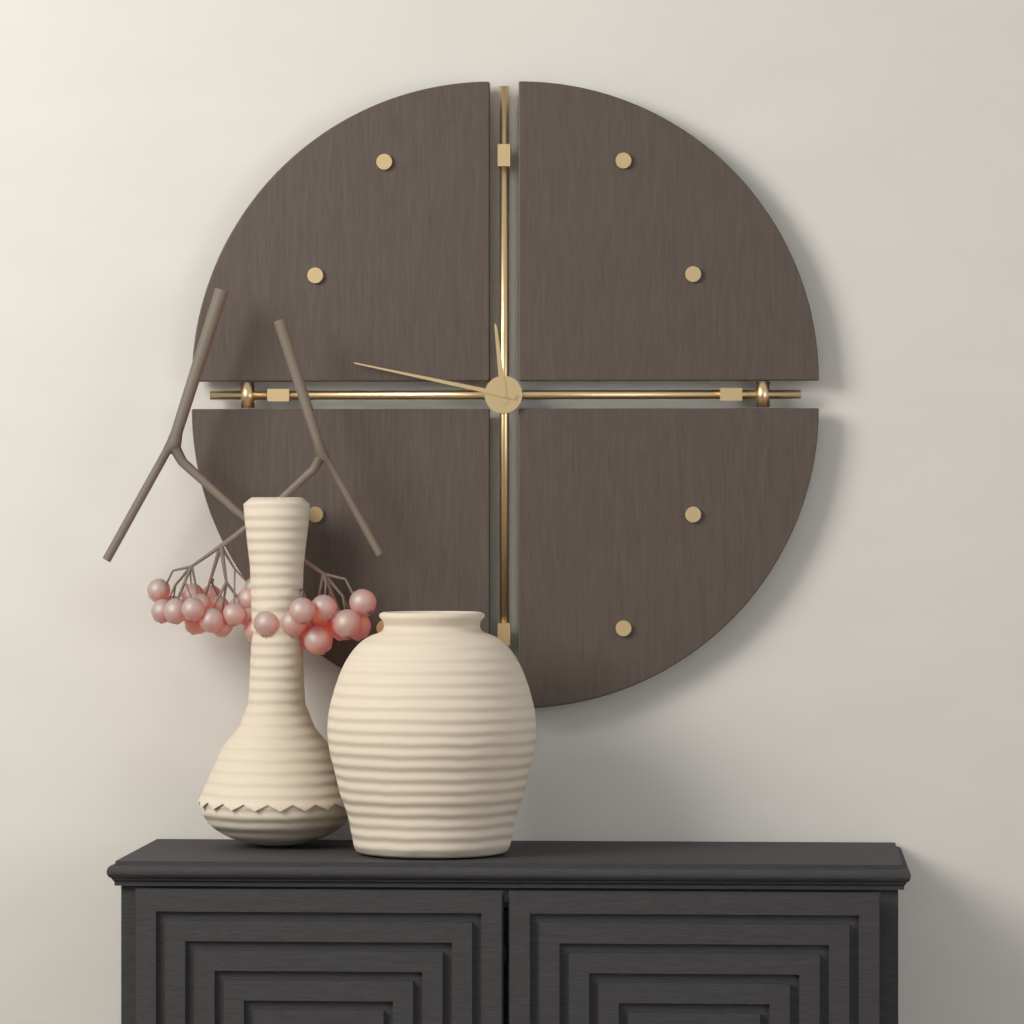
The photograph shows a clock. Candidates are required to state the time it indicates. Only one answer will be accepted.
11:47
